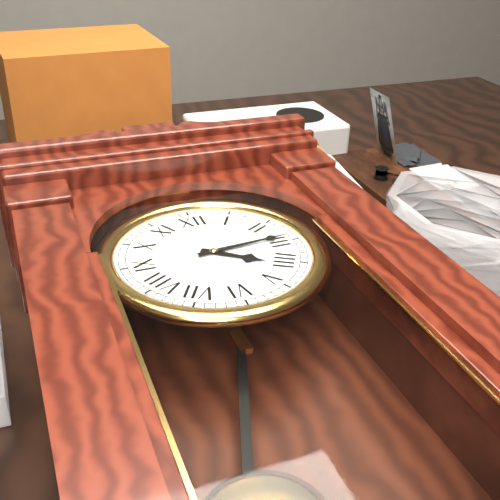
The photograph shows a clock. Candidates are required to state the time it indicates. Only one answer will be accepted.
4:14
